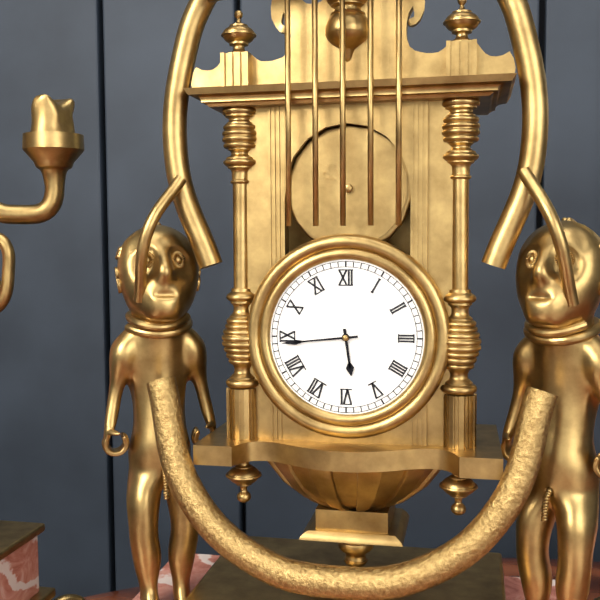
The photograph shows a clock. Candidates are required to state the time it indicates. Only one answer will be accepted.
5:44
